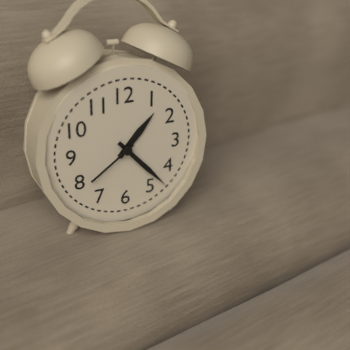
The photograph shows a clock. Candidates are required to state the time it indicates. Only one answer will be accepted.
1:23:39
